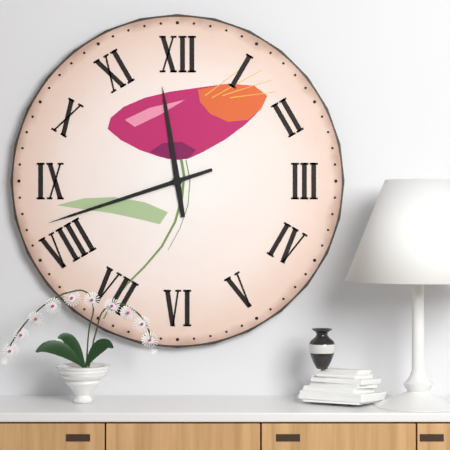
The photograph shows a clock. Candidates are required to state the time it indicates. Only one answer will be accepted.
11:42
